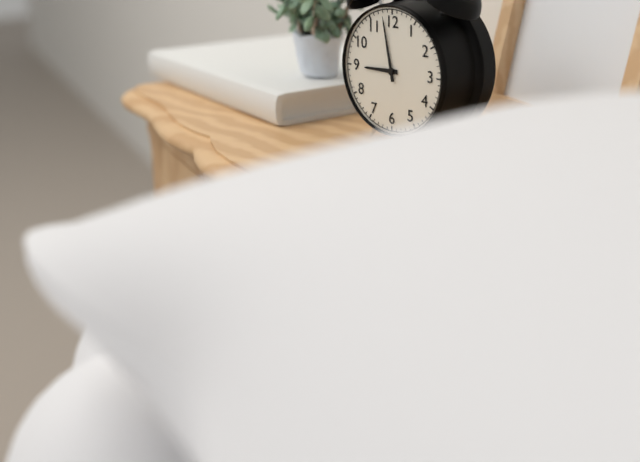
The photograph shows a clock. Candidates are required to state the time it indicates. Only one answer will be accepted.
8:58
